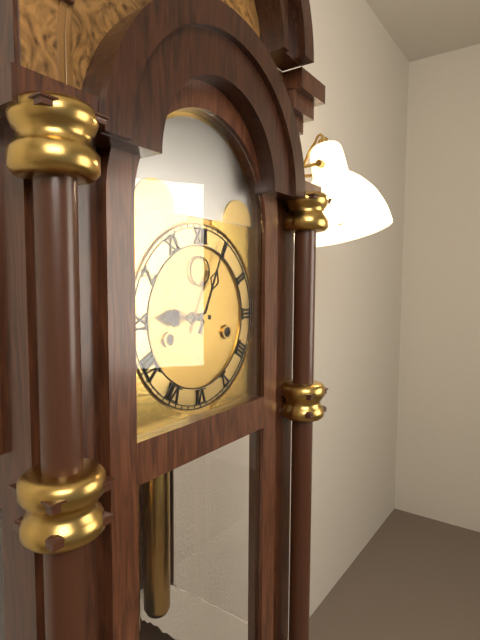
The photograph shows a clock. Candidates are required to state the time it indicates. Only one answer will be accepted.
9:04
